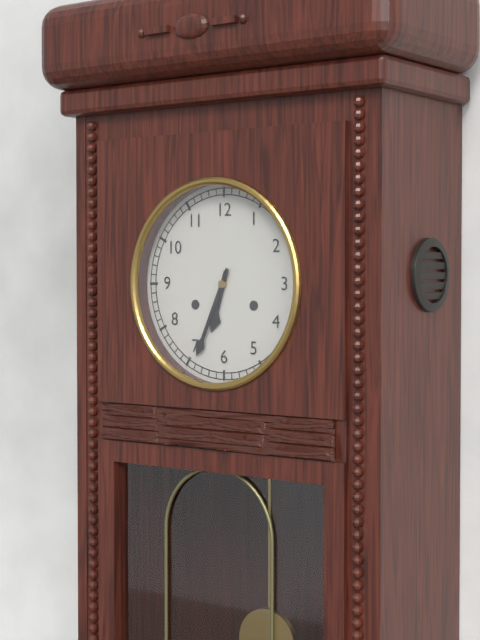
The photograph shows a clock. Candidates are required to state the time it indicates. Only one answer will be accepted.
6:34
